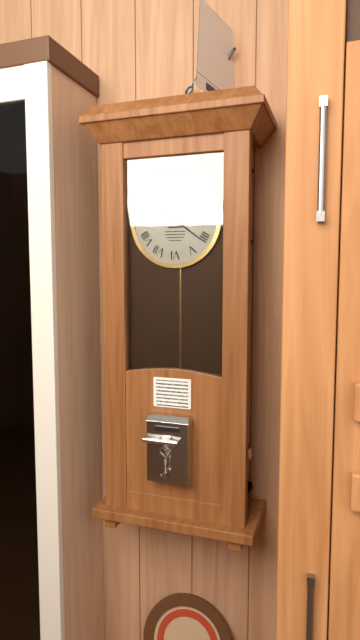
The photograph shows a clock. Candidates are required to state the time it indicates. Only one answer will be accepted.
10:21
